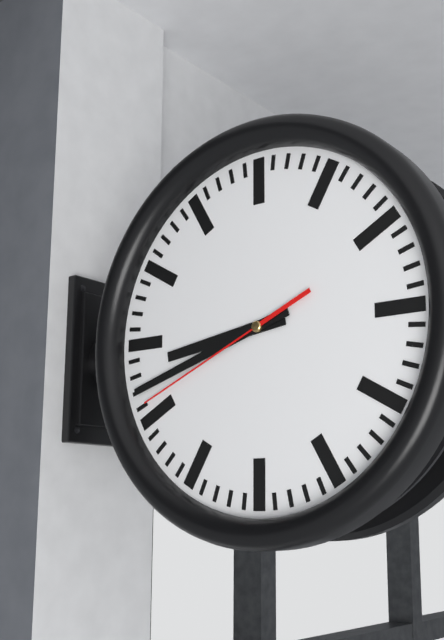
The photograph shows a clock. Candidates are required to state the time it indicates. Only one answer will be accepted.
8:42:41
